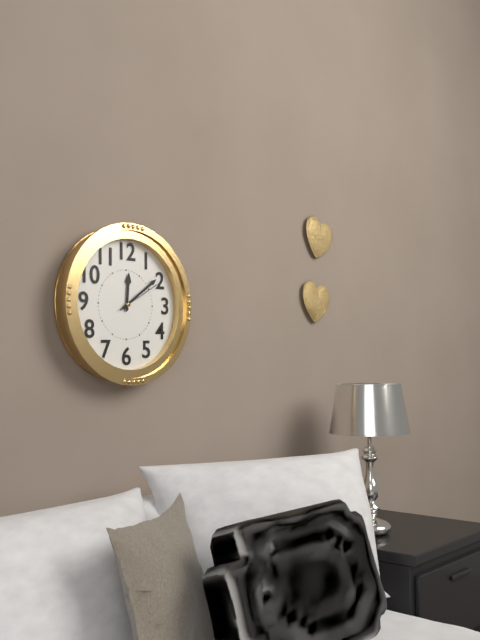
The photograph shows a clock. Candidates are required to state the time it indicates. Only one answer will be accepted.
12:09:10
